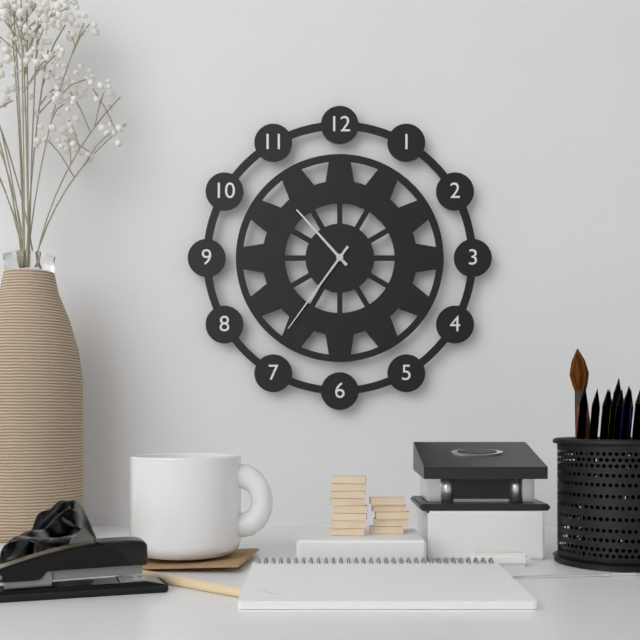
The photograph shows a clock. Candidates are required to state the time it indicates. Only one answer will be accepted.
10:36
